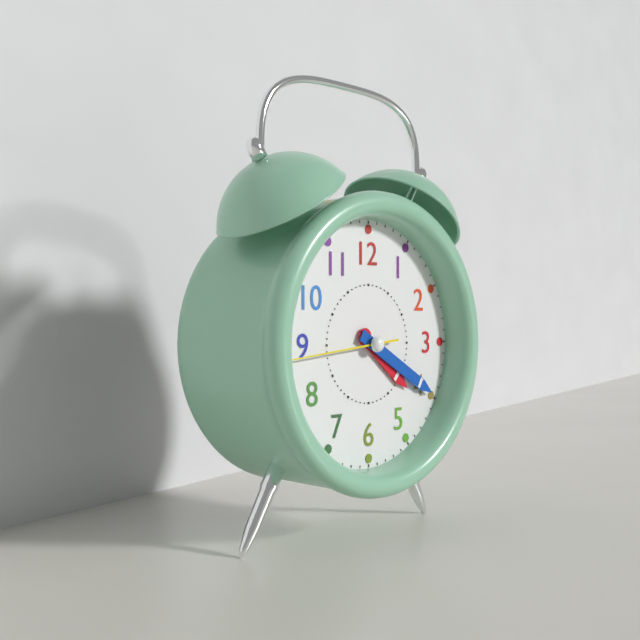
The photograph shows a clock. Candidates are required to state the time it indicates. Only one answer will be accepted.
4:20:44
